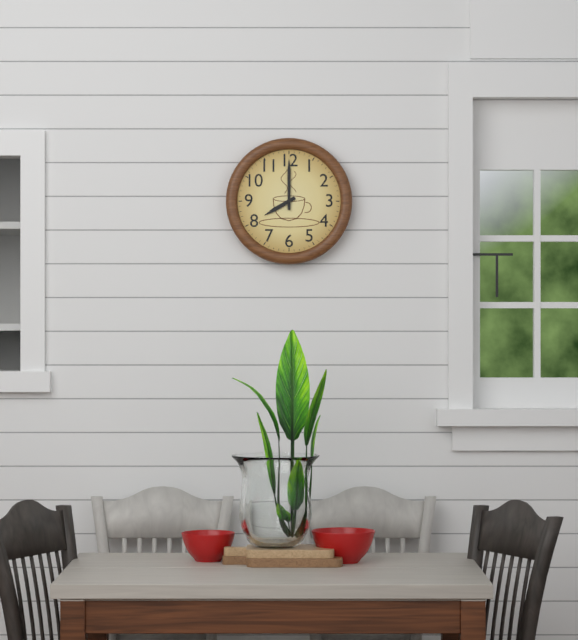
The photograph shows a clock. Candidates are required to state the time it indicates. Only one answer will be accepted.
8:00
